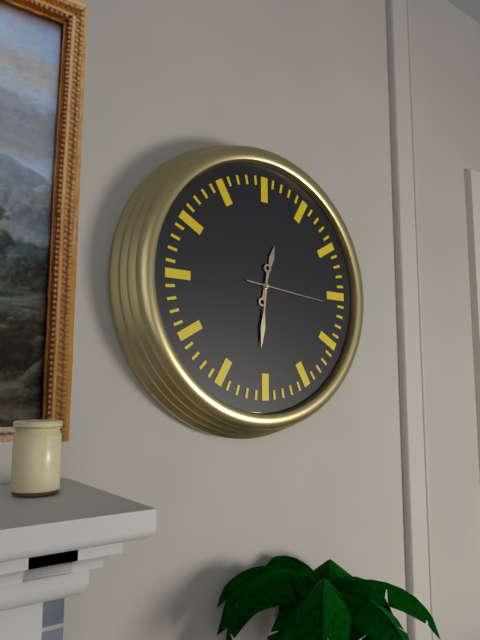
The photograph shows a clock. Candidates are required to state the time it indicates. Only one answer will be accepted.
12:31:16
